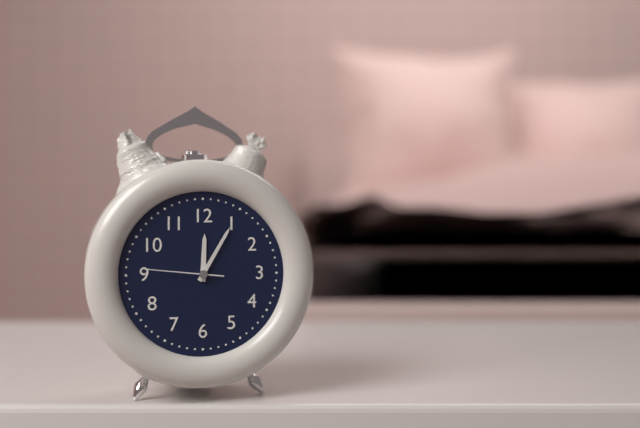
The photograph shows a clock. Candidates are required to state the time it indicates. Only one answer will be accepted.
12:05:46
